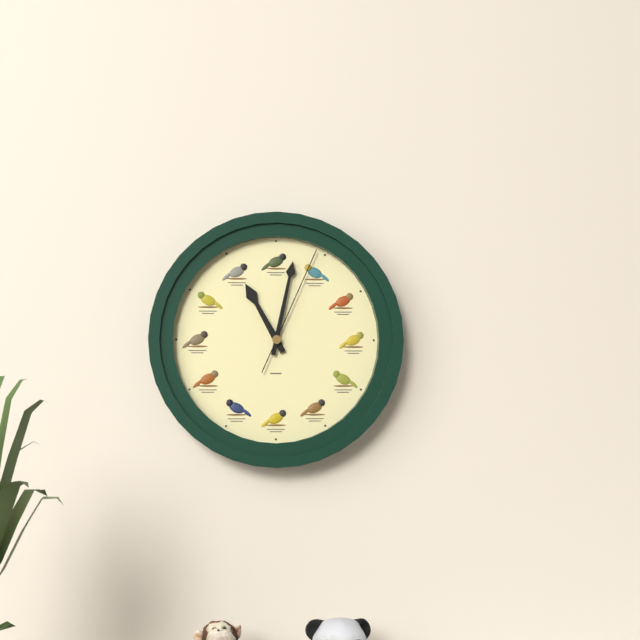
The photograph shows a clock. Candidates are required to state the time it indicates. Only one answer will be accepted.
11:02:04
